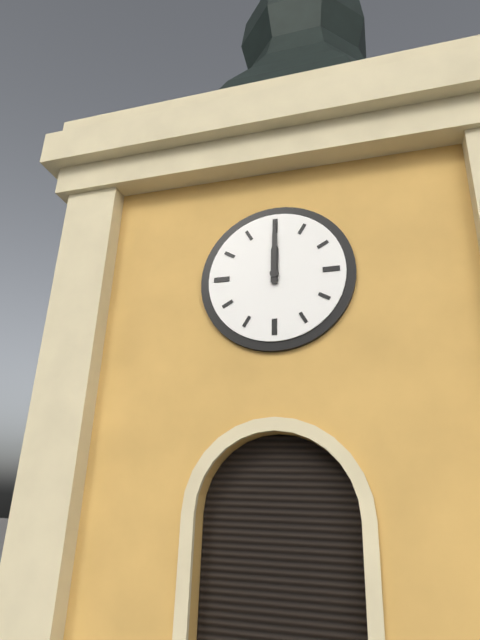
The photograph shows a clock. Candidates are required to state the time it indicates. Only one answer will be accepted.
12:00
